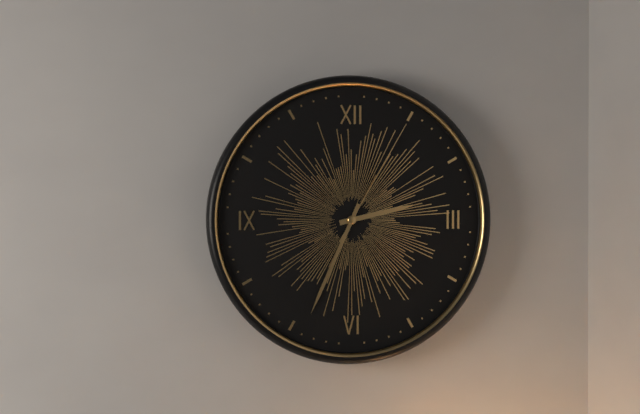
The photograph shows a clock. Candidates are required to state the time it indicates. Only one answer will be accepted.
2:34:05
